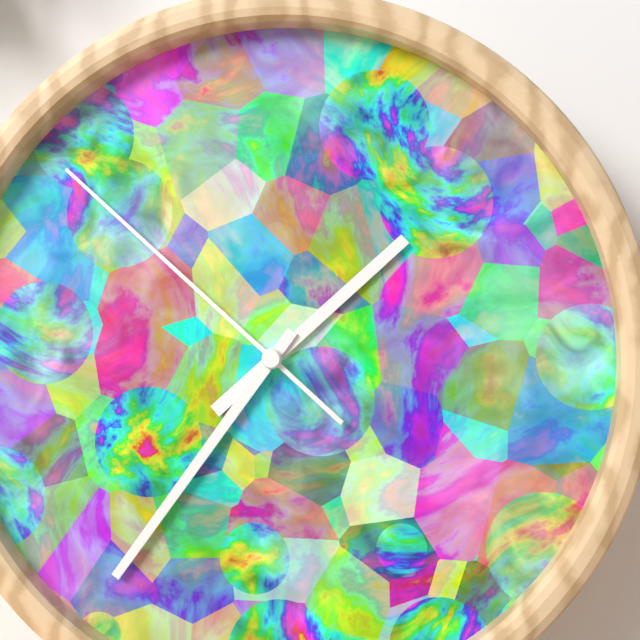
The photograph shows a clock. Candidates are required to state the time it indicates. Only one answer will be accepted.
1:36:52
